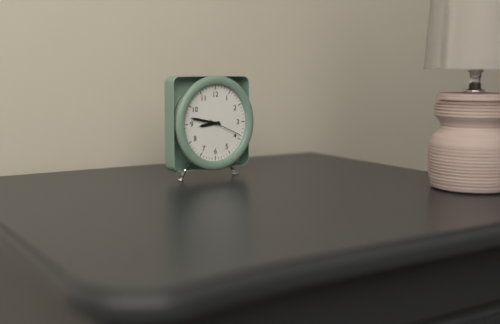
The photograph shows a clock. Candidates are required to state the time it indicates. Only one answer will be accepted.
8:47
